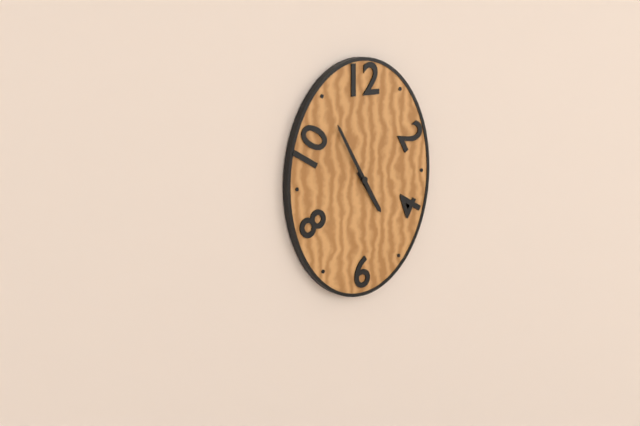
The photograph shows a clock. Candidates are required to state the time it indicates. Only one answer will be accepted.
4:55
